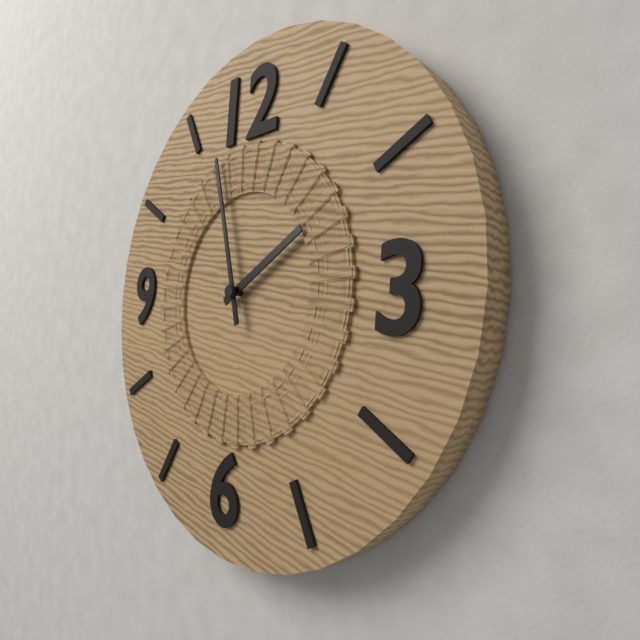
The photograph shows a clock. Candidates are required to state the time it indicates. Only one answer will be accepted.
1:57
